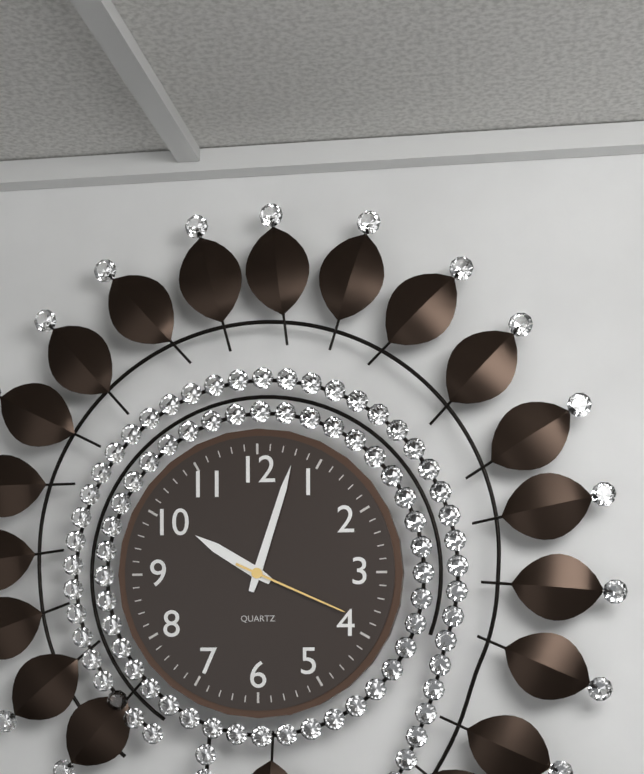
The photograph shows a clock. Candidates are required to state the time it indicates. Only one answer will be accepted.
10:03:19
